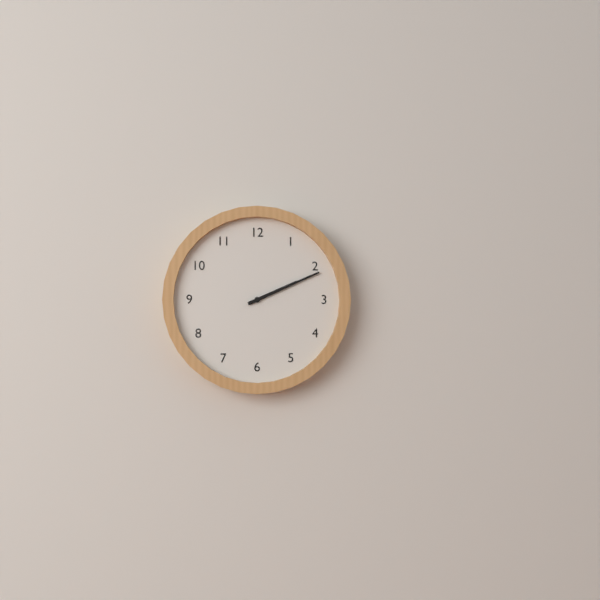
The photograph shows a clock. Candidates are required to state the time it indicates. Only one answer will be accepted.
2:11
